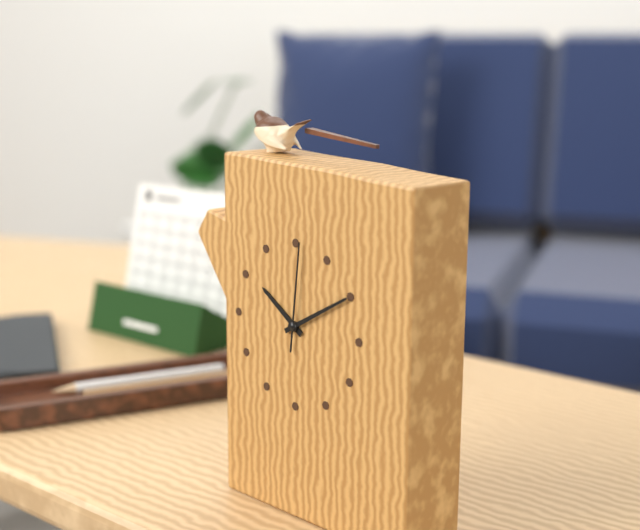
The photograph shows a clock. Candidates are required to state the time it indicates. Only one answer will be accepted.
10:10:01
